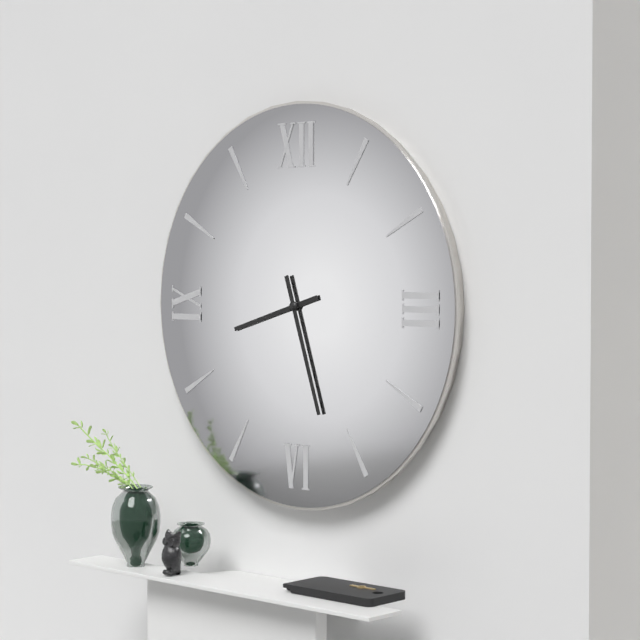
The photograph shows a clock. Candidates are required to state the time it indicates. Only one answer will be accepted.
8:27
